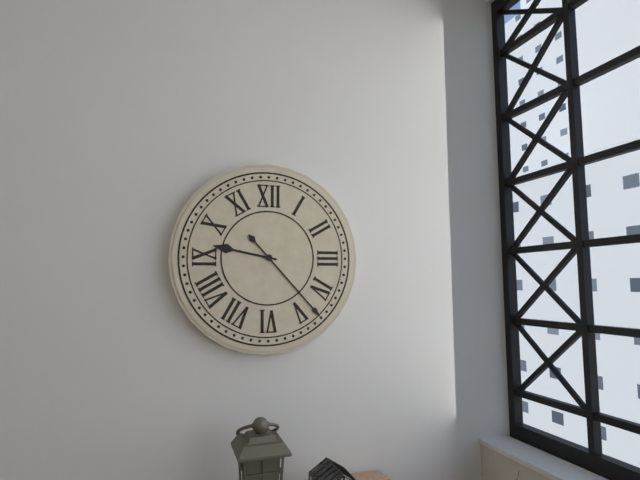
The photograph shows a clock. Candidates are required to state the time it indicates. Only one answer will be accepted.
9:23
